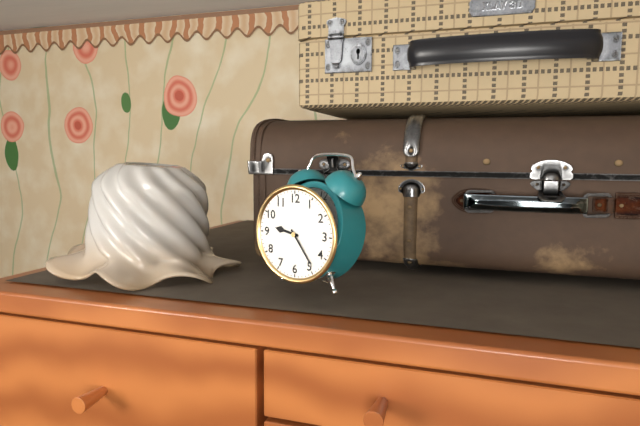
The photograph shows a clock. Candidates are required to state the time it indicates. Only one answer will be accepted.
9:24
